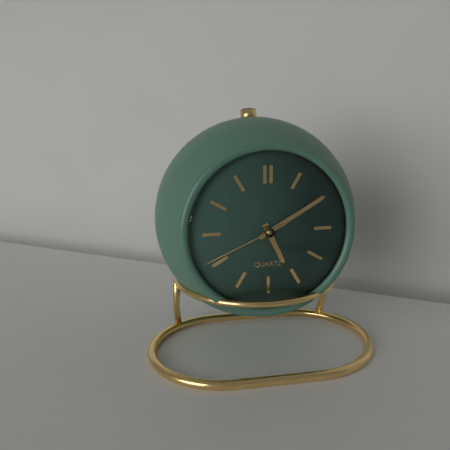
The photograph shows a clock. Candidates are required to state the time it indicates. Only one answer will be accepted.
5:10:41
